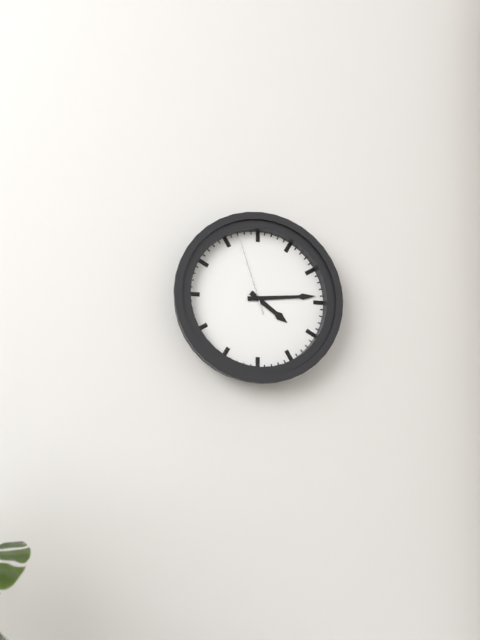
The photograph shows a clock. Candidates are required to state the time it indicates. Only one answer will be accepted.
4:14:57
